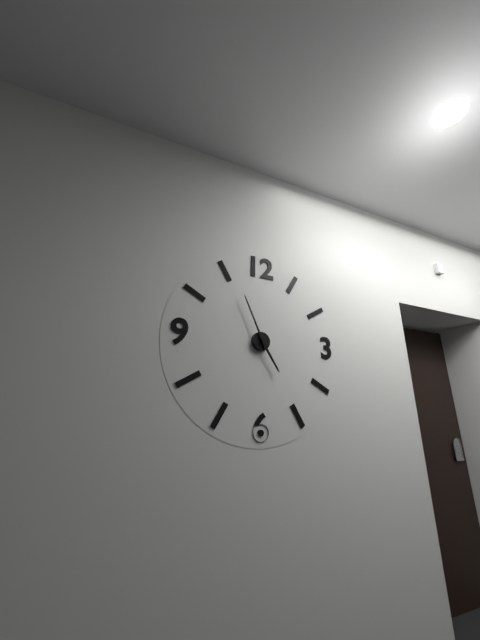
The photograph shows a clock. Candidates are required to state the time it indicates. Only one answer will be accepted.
4:56
